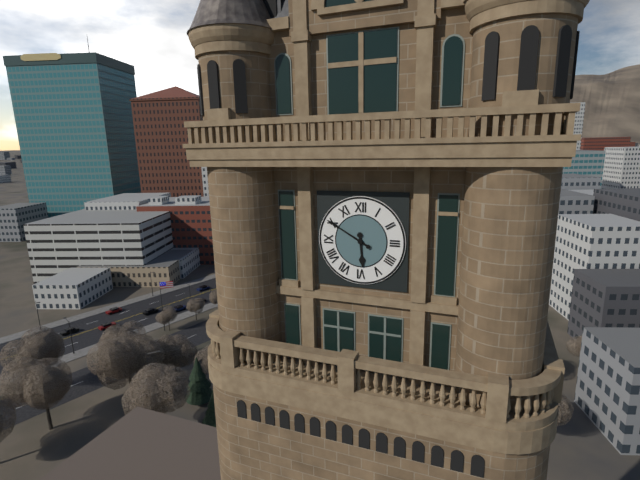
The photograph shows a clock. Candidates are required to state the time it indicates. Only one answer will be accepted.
5:50
